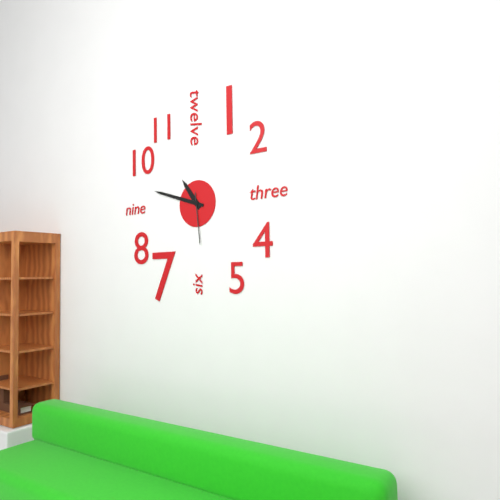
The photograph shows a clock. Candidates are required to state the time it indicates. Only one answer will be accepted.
10:48:29
